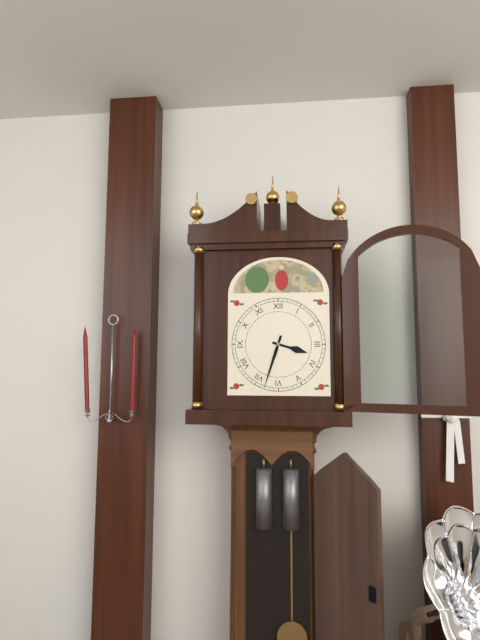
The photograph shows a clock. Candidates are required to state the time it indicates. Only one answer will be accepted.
3:33
